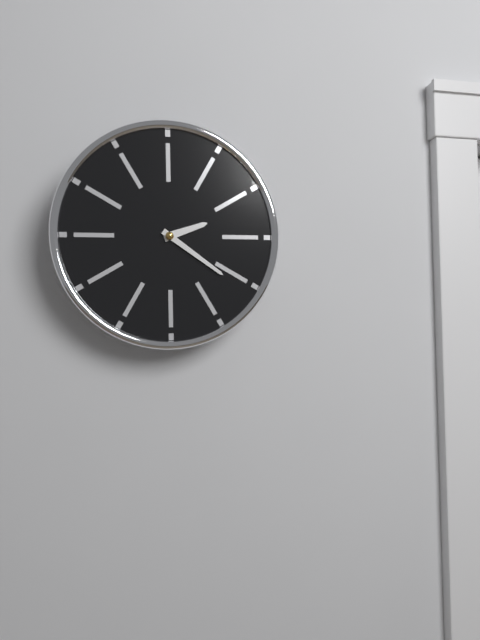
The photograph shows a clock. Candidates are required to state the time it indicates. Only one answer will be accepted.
2:21
